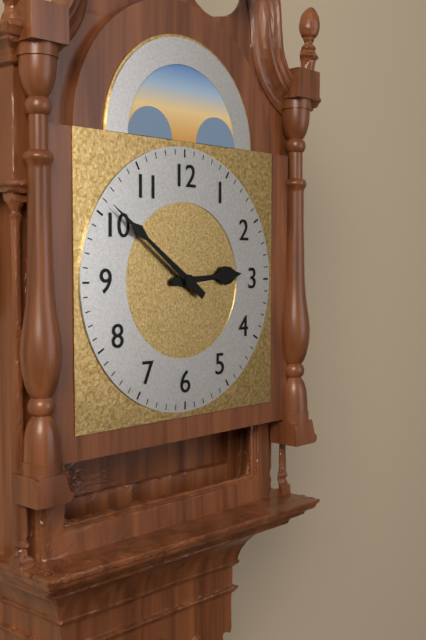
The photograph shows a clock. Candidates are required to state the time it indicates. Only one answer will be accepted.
2:51
